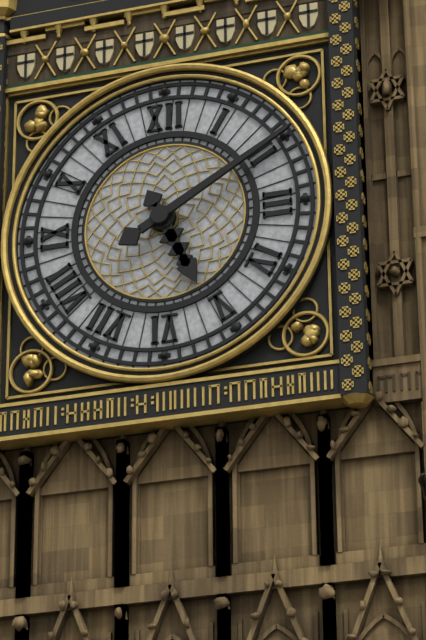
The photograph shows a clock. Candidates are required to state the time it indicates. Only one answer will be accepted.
5:10
